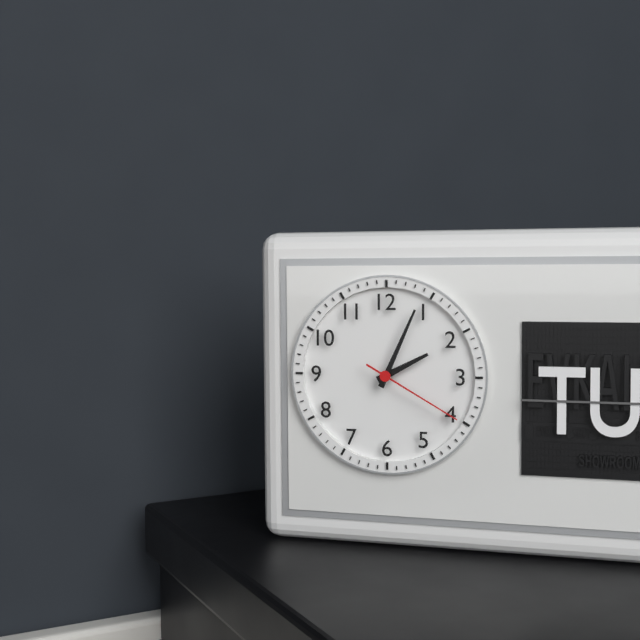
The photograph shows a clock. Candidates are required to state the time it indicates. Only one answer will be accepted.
2:04:20
